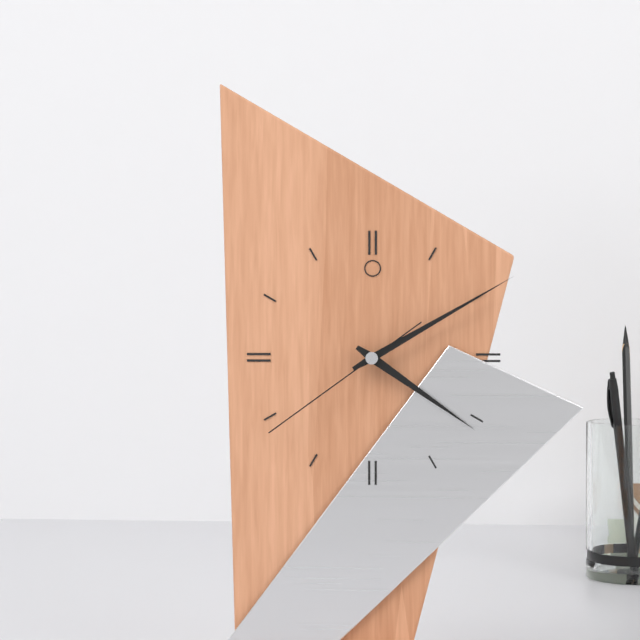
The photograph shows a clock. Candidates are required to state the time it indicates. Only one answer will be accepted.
4:10:39
